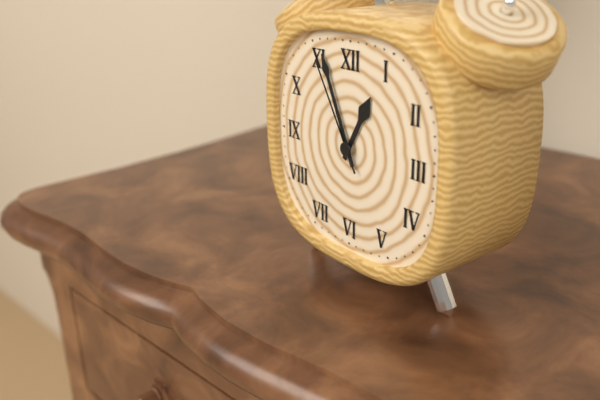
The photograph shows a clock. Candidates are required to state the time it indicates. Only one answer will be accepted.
12:56:55
